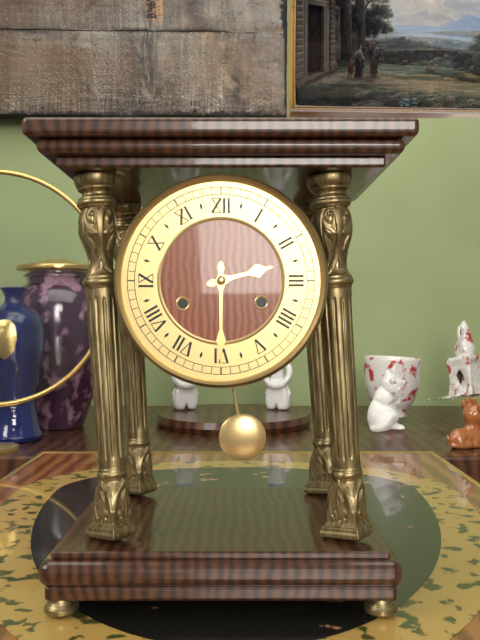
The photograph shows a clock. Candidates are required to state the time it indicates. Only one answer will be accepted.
2:30
